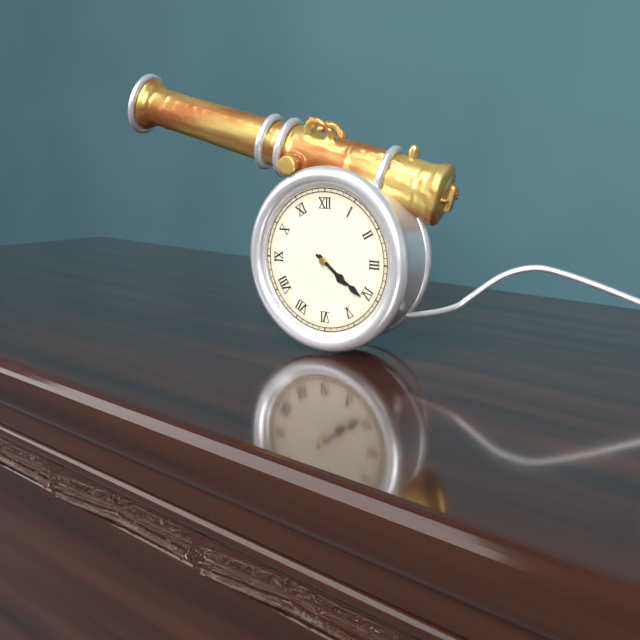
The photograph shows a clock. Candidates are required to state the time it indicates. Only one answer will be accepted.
4:21
